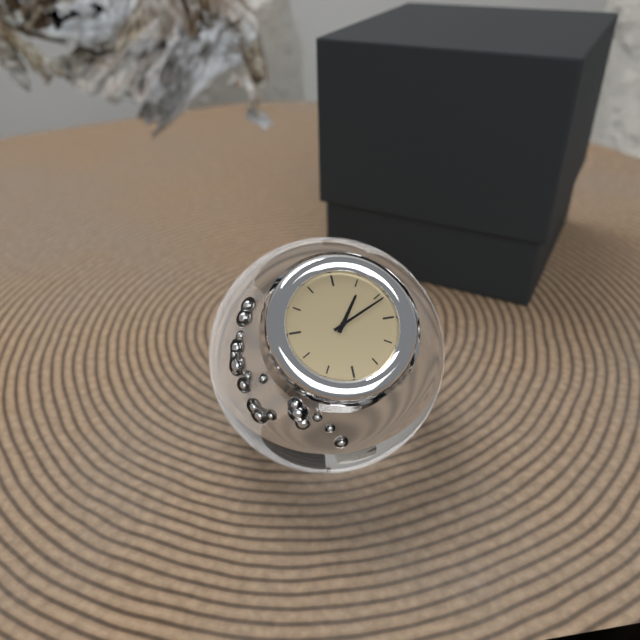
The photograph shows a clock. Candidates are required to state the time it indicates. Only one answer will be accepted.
1:11
